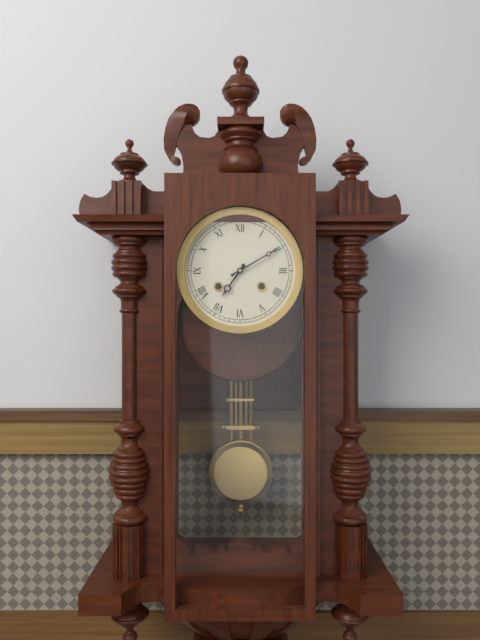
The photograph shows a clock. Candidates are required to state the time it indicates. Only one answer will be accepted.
7:10
